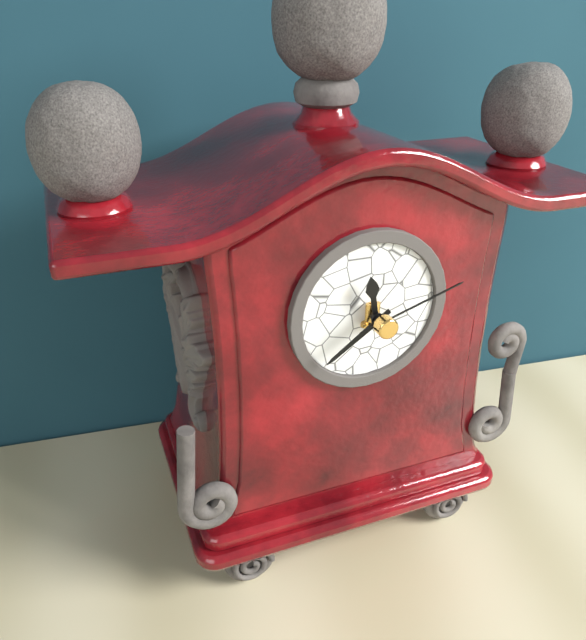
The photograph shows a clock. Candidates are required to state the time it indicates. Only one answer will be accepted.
11:39:12
